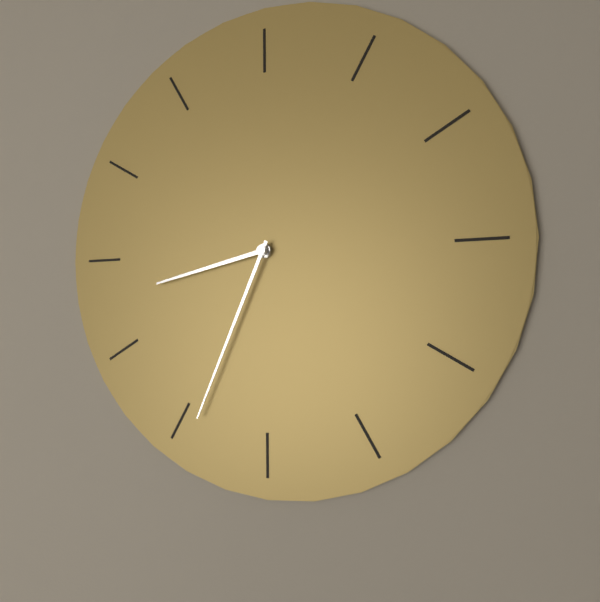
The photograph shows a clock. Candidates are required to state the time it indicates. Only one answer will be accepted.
8:34
